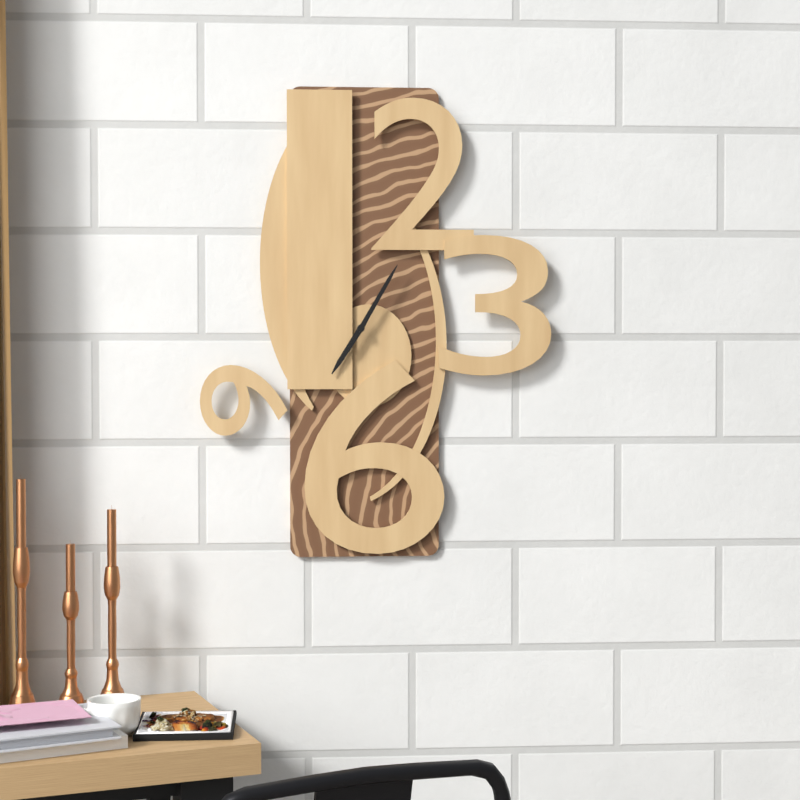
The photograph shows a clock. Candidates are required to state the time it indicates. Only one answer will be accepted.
7:05
